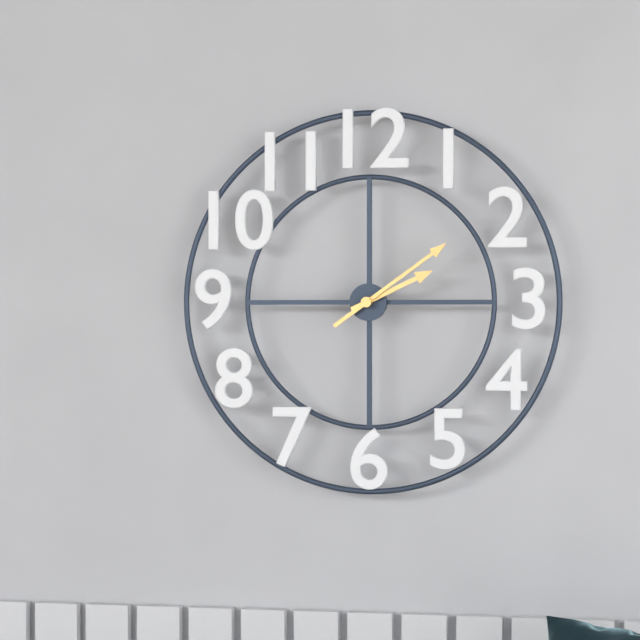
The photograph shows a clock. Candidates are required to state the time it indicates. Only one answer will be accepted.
2:09
